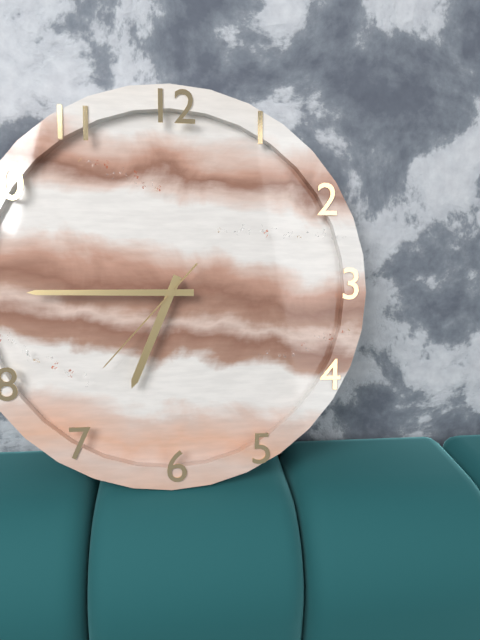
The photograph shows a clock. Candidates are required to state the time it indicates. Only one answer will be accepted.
6:45:37
